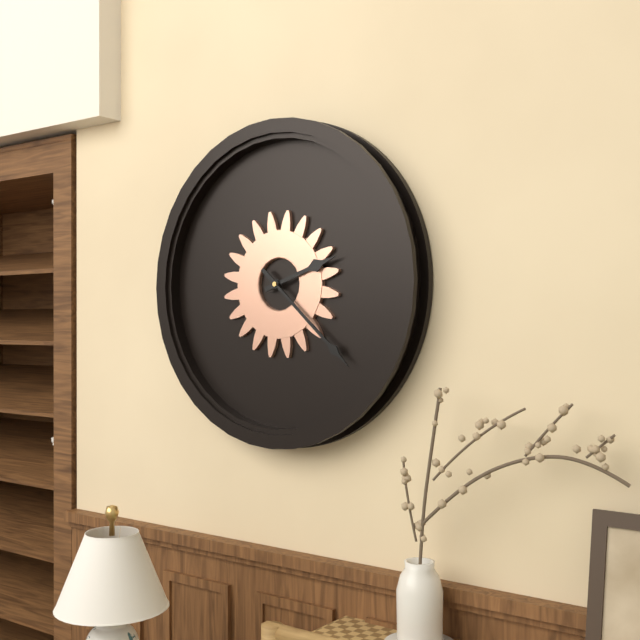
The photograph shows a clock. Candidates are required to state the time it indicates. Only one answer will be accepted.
2:22
